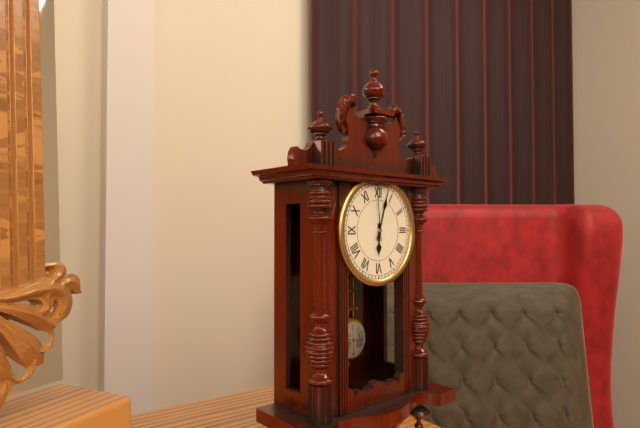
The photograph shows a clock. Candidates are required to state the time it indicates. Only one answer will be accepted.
6:03:59
